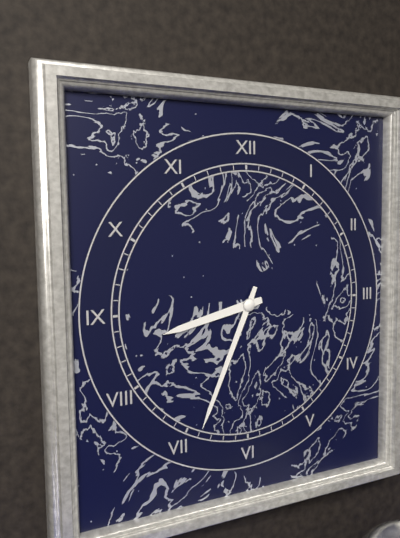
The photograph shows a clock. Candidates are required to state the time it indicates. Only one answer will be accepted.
8:34
